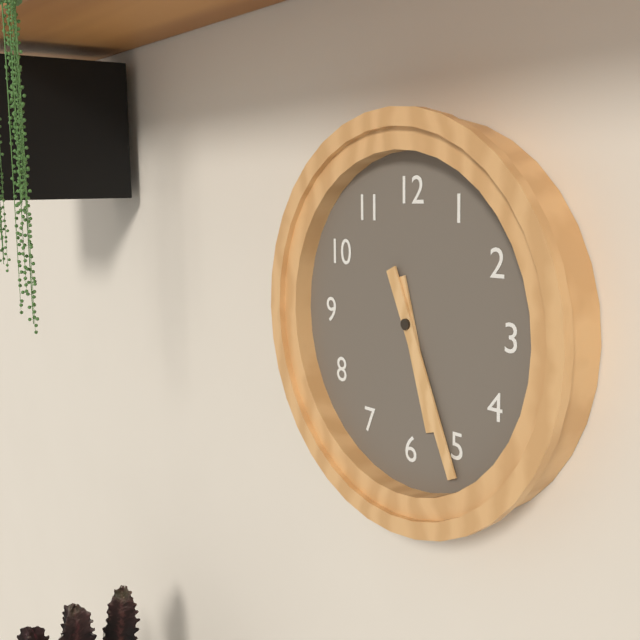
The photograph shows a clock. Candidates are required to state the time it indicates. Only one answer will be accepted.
5:26
